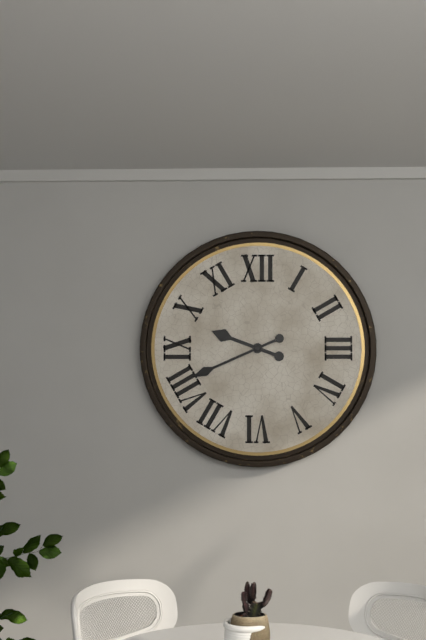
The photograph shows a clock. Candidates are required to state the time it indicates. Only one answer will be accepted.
9:41
